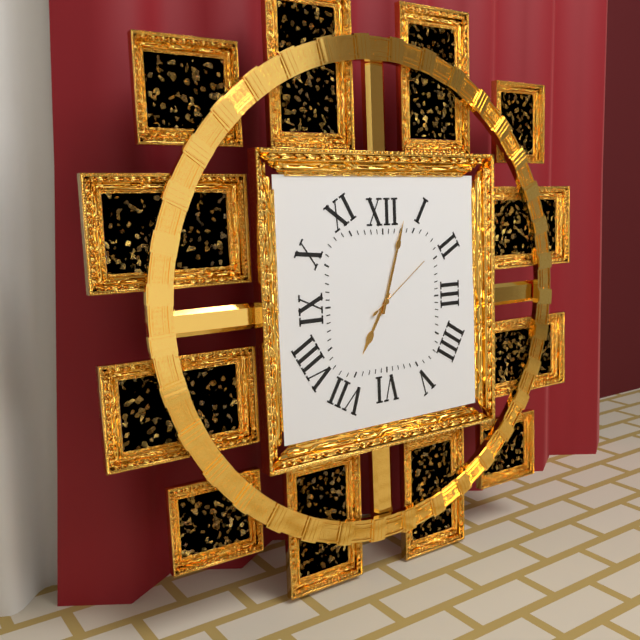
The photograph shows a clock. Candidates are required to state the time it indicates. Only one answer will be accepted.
7:03:09
